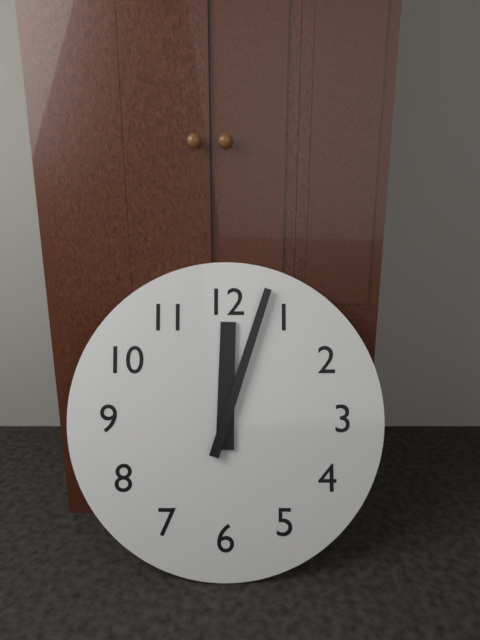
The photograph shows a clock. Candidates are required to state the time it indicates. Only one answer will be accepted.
12:03
